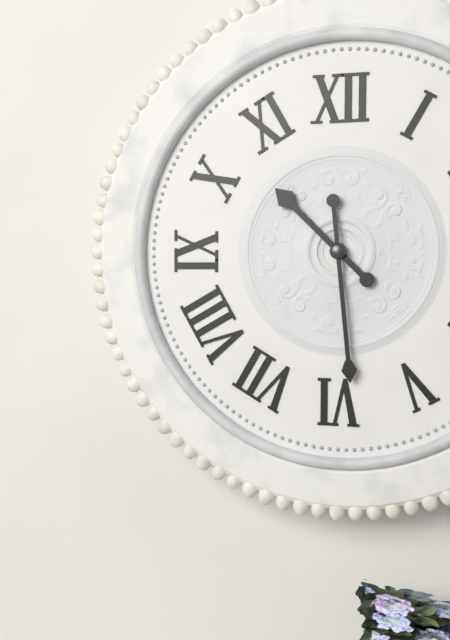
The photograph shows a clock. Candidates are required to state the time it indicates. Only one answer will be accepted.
10:29
